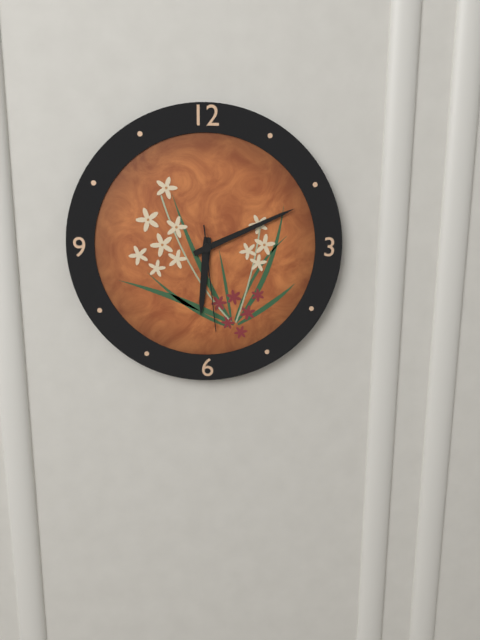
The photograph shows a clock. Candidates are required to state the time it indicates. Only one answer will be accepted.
6:11:29
